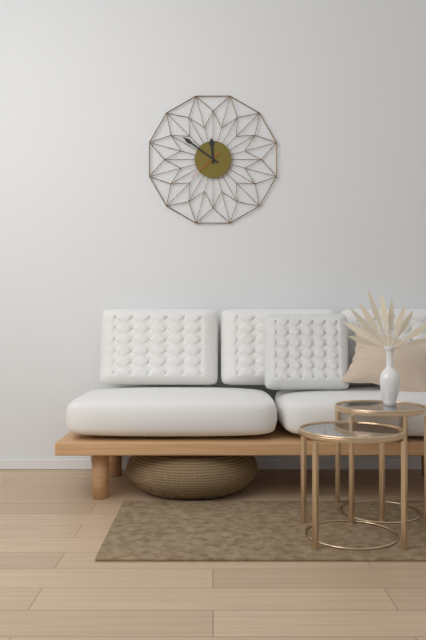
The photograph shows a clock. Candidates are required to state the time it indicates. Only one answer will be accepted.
11:51
